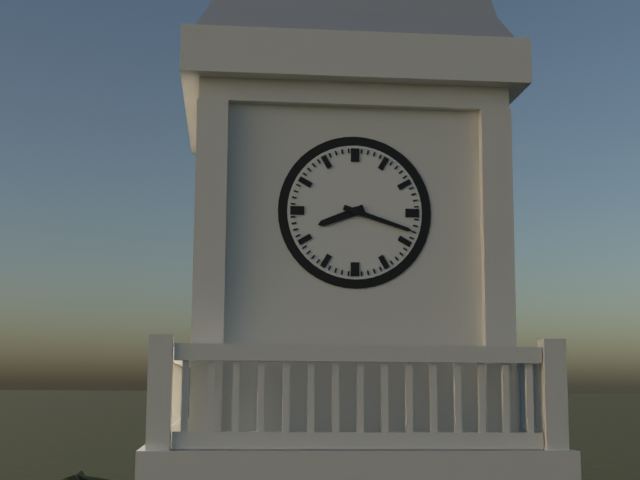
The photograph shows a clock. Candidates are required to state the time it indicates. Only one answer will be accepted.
8:18
